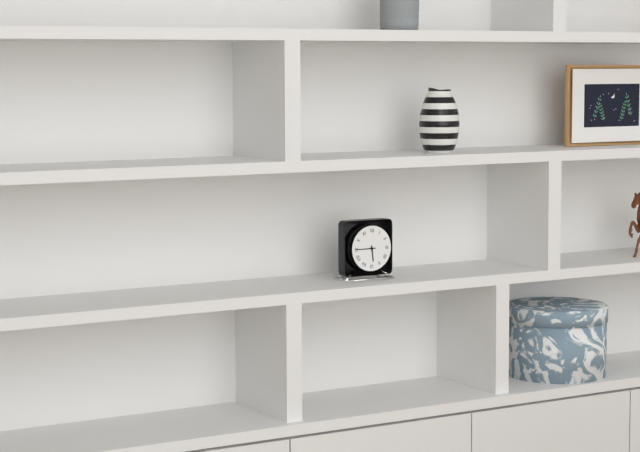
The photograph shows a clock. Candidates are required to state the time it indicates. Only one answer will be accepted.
5:45
